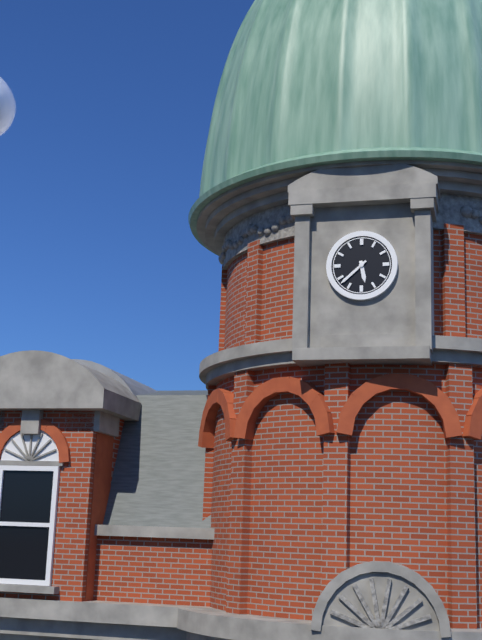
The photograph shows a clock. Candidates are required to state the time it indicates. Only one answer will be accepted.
5:38
